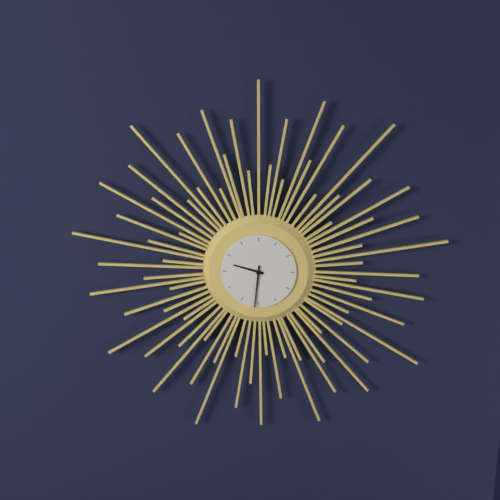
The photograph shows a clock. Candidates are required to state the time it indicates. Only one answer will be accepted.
9:31
